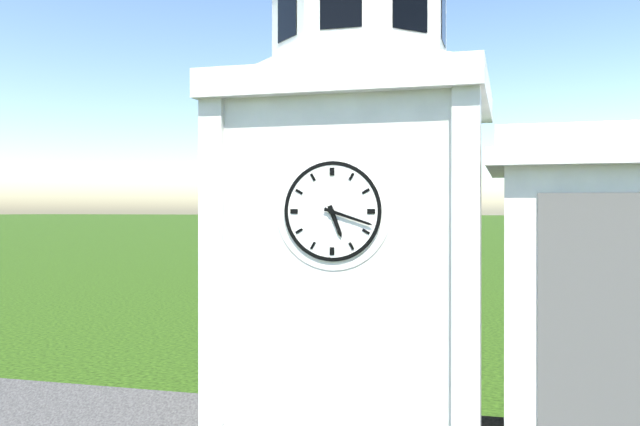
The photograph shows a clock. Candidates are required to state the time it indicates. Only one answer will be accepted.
5:18
